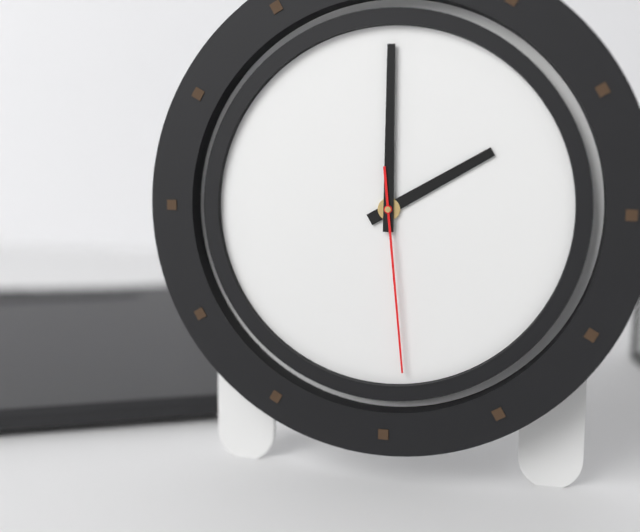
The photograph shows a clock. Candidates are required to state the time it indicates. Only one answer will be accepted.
2:00:29
